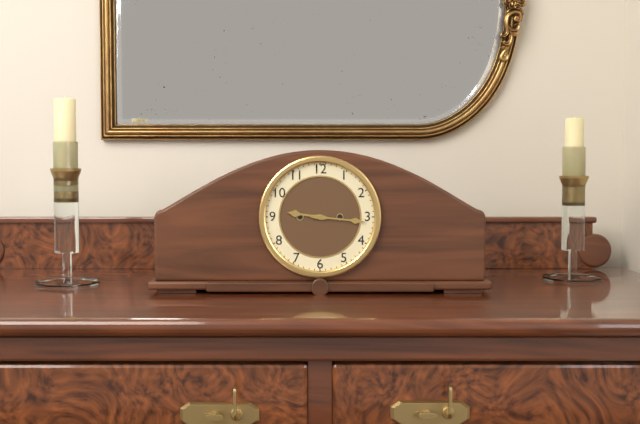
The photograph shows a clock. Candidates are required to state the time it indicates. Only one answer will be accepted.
9:16
